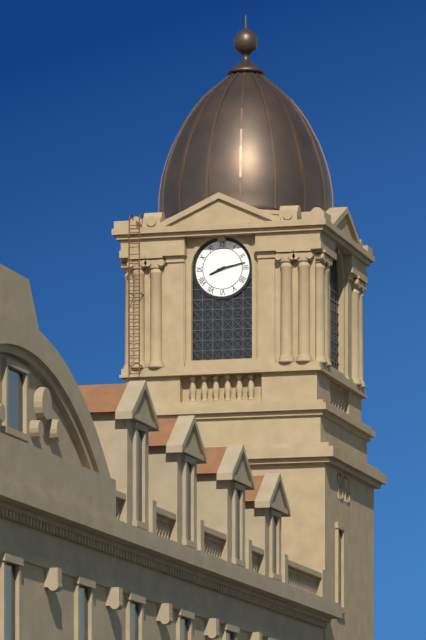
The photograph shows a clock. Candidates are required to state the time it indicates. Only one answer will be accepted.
8:13
